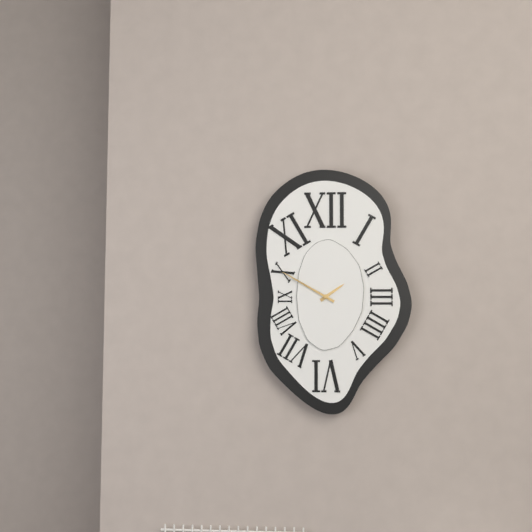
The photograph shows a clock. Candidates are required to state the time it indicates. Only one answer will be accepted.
1:50
